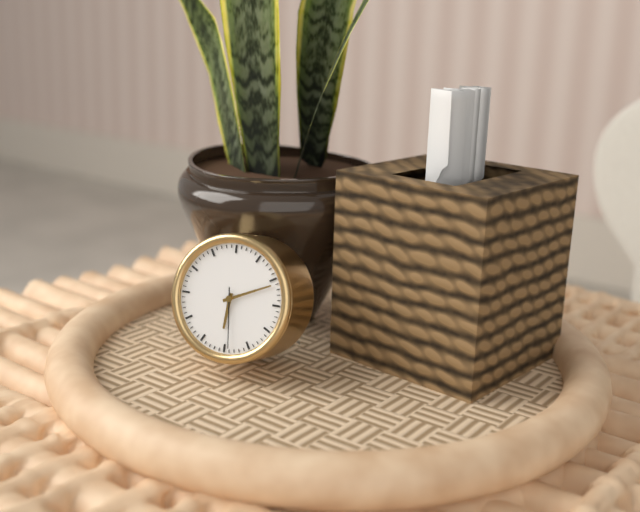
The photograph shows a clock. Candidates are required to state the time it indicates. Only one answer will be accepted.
6:11:29
